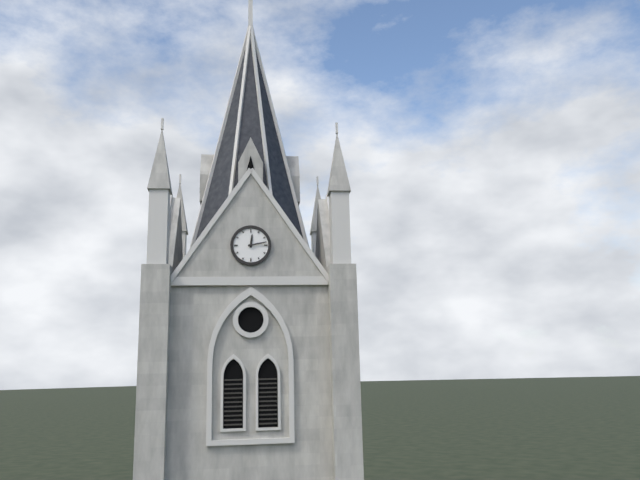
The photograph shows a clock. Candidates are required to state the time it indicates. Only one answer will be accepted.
12:13
